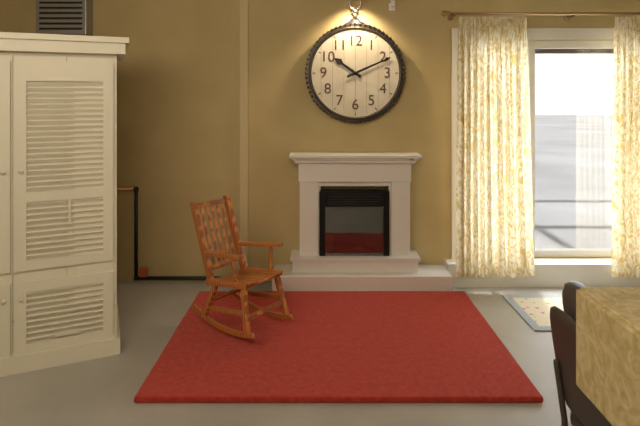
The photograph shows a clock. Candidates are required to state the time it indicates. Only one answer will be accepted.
10:11
